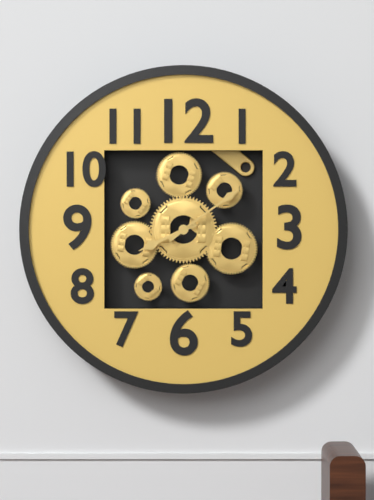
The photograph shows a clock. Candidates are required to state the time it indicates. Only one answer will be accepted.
8:09
